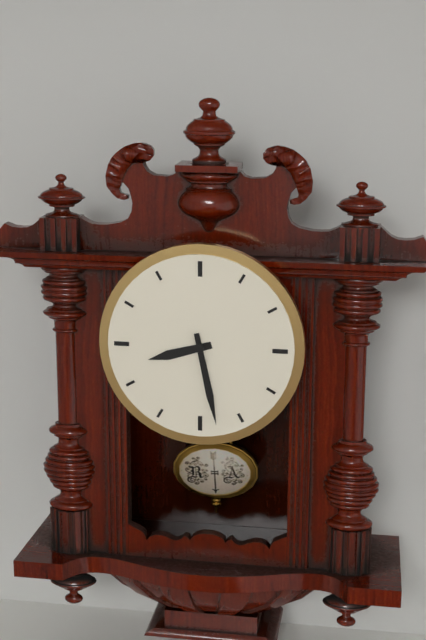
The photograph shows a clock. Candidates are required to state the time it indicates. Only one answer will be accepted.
8:28
